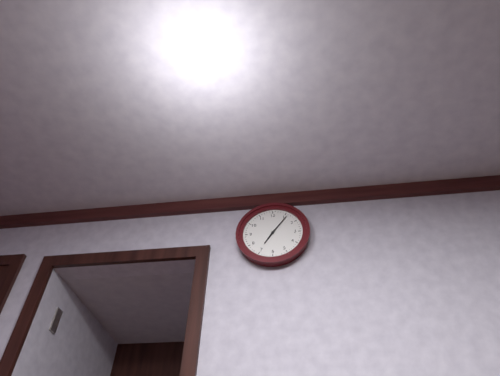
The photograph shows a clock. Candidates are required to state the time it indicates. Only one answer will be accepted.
7:06
